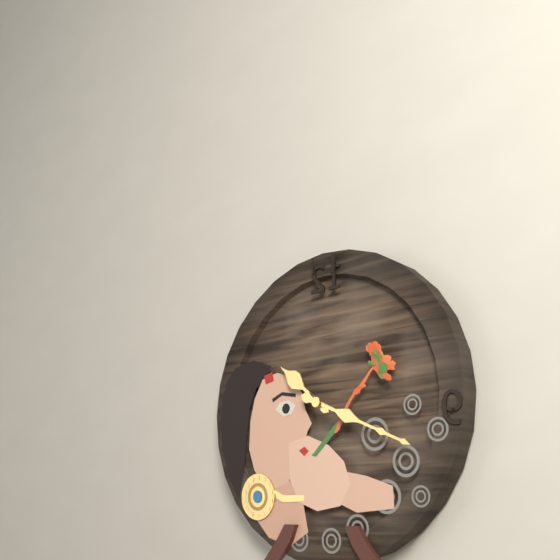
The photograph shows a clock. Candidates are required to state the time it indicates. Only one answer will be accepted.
10:19
